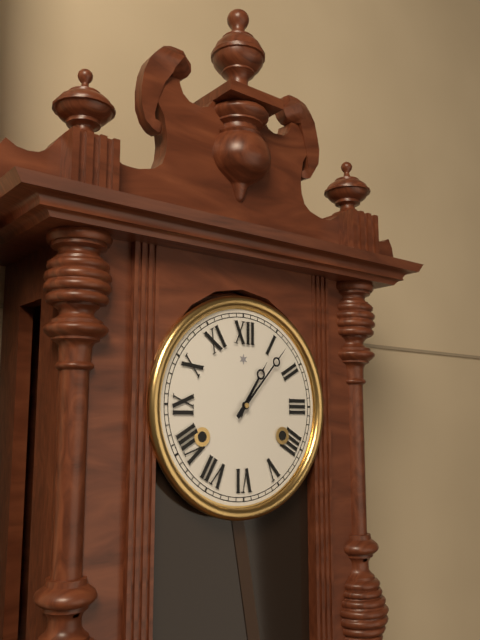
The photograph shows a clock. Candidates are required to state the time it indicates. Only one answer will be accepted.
1:07
